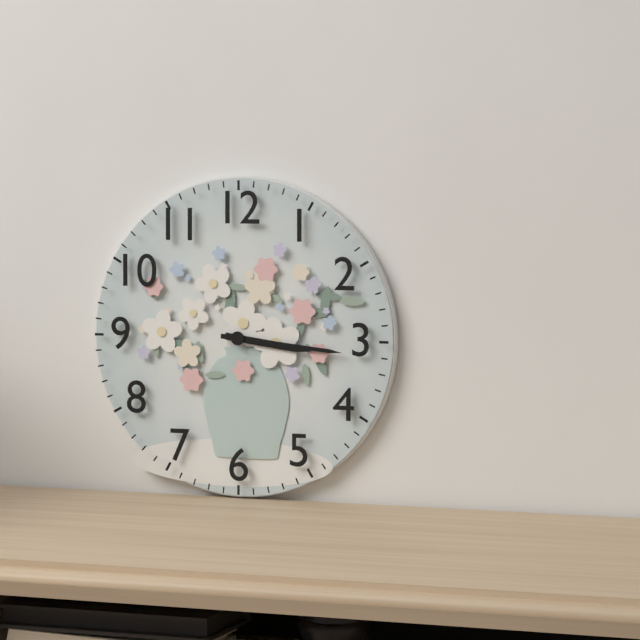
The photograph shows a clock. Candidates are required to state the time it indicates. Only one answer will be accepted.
3:16
